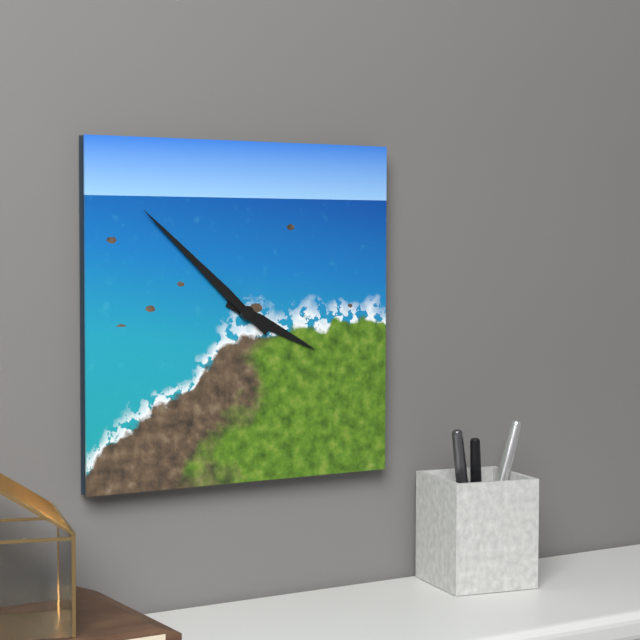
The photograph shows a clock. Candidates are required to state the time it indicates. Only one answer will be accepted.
3:52
